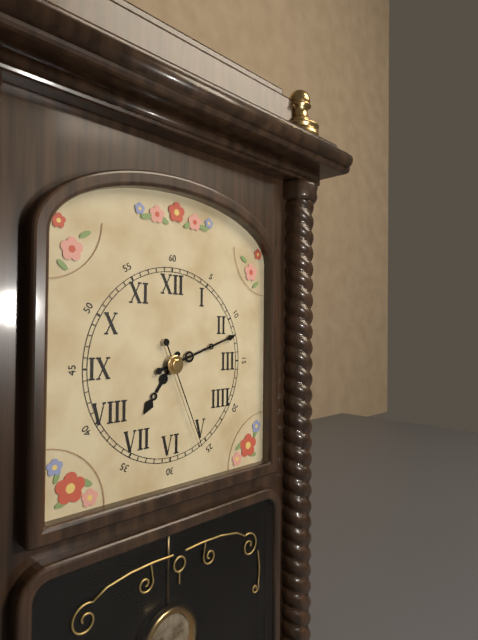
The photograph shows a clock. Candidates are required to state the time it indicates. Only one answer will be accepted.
7:12:26
